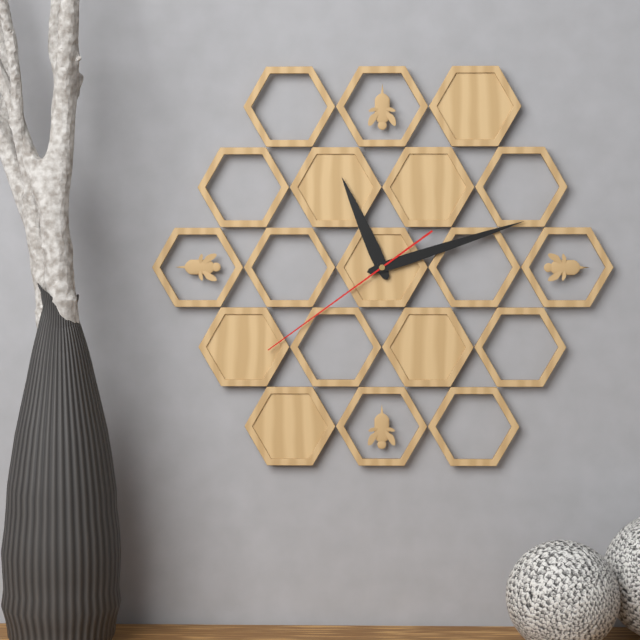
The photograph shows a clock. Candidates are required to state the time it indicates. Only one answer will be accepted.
11:12:39
